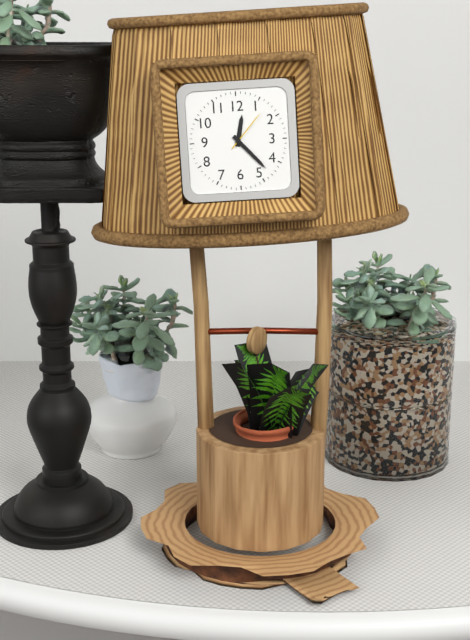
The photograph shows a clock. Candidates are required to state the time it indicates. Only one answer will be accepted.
12:23
